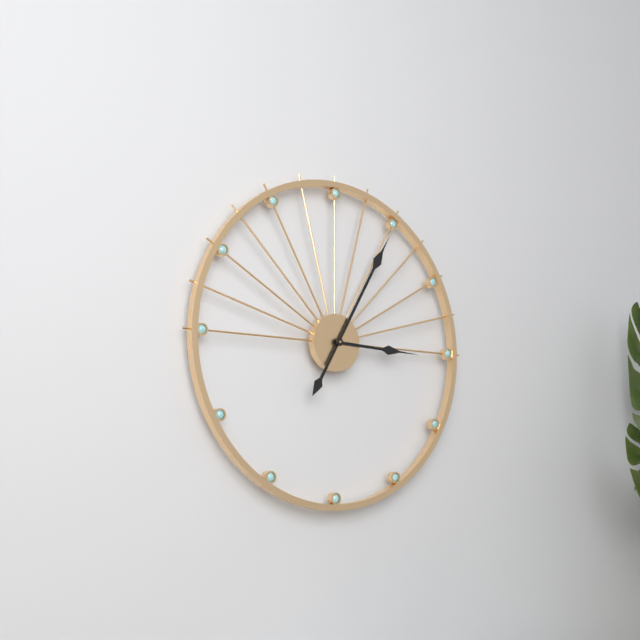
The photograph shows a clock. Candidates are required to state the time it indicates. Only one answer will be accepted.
3:05
